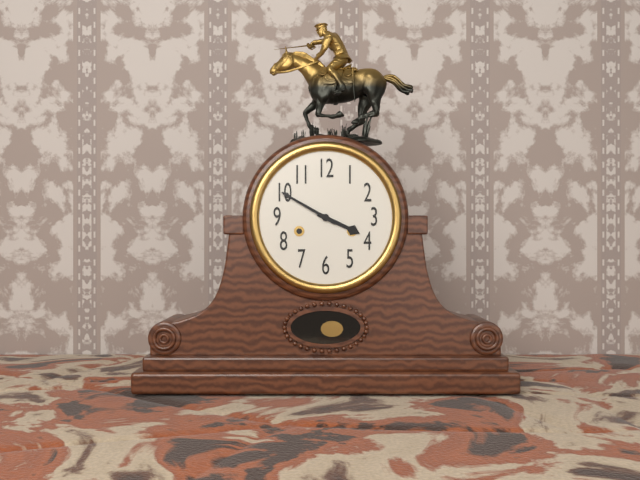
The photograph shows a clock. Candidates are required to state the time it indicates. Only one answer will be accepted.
3:50
